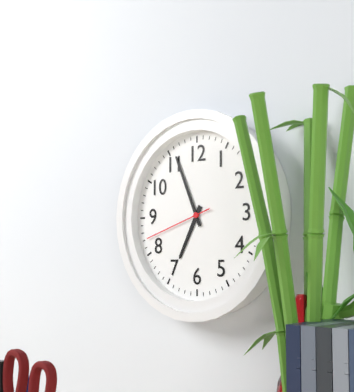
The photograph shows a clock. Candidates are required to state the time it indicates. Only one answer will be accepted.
6:56:42
